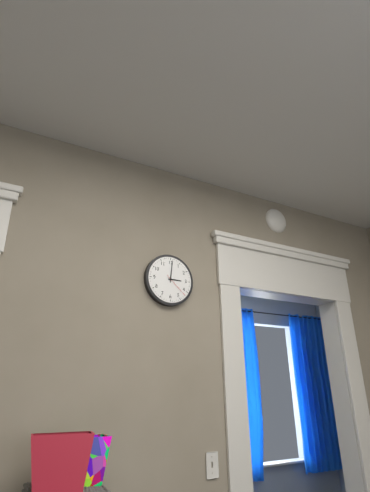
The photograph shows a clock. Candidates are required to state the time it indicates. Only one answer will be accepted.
3:01
